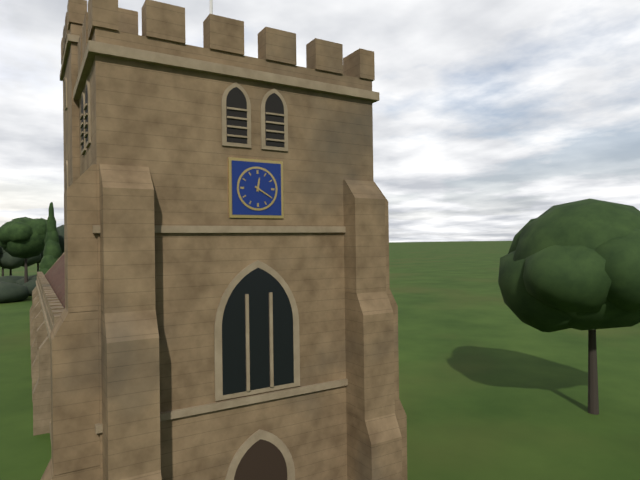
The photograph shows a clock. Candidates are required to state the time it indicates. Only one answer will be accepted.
12:20
